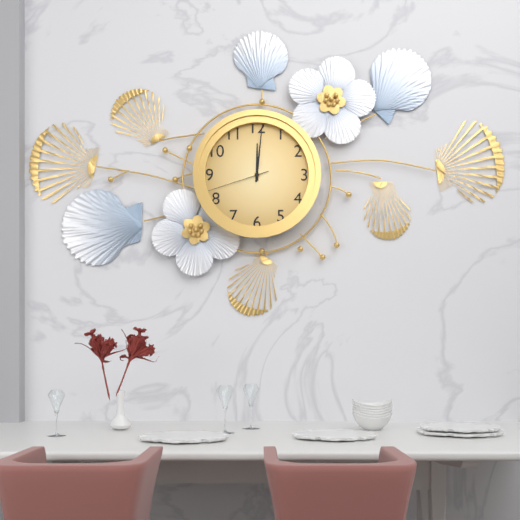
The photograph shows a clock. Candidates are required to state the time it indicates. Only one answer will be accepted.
12:01:42
